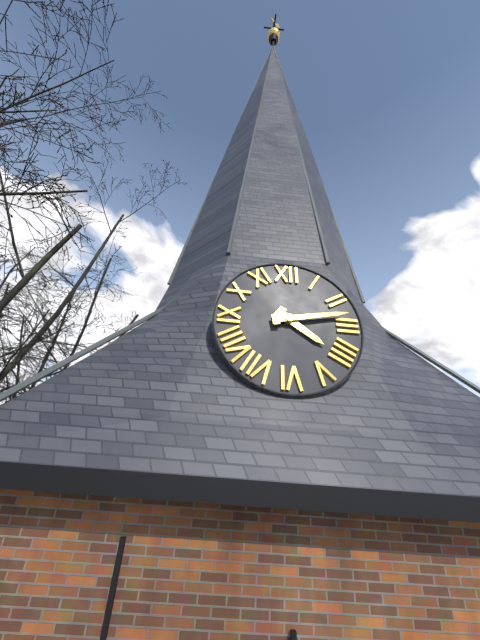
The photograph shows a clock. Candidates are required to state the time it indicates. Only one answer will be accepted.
4:13
